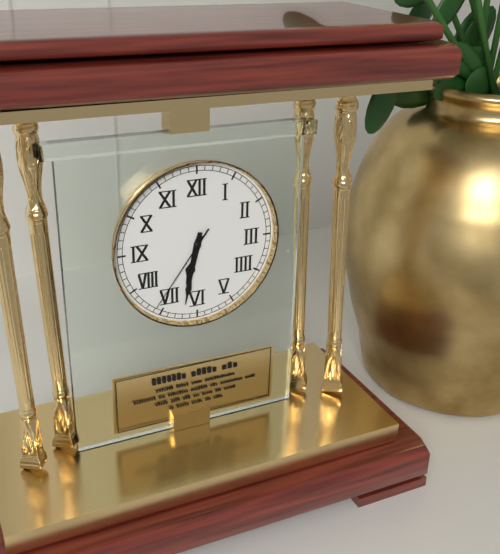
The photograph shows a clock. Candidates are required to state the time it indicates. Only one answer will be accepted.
6:32:36
